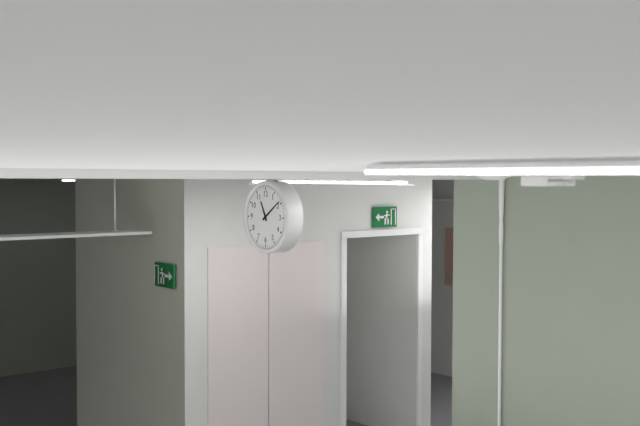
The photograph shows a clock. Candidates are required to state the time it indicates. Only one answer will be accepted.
11:09
